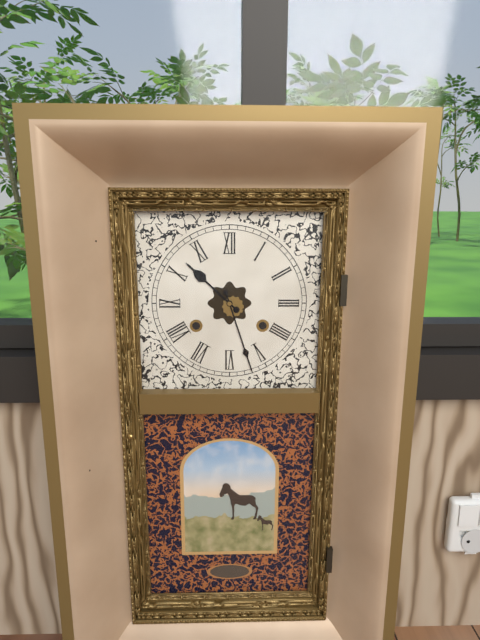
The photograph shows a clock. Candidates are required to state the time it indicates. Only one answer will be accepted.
10:27
